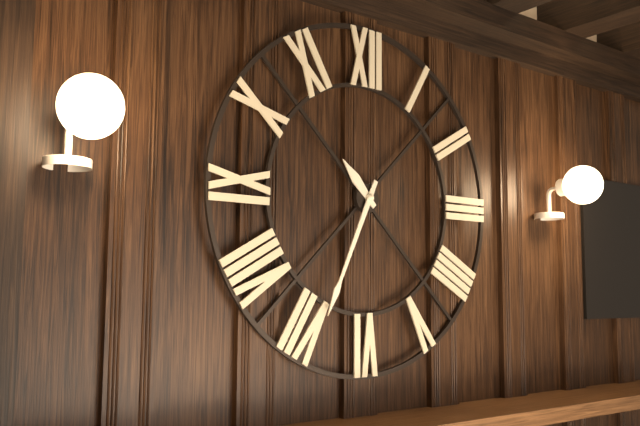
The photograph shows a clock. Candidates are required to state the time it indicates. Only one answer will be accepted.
10:34
